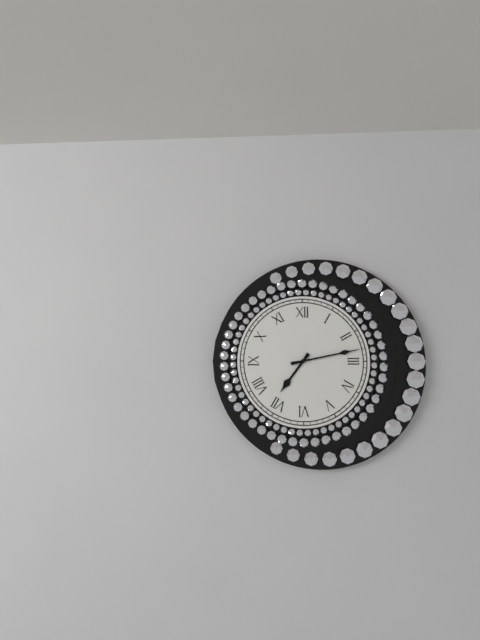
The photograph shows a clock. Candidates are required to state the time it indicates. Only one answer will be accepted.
7:13
